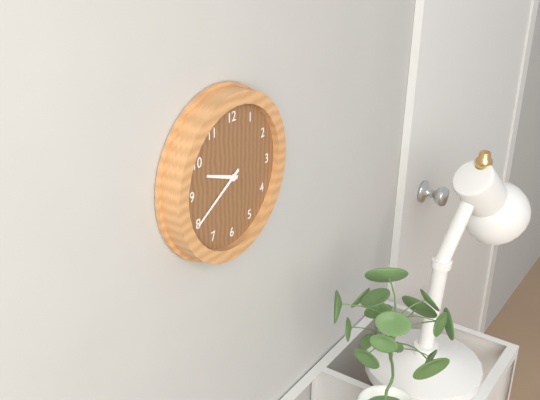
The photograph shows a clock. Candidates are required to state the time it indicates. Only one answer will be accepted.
9:40
